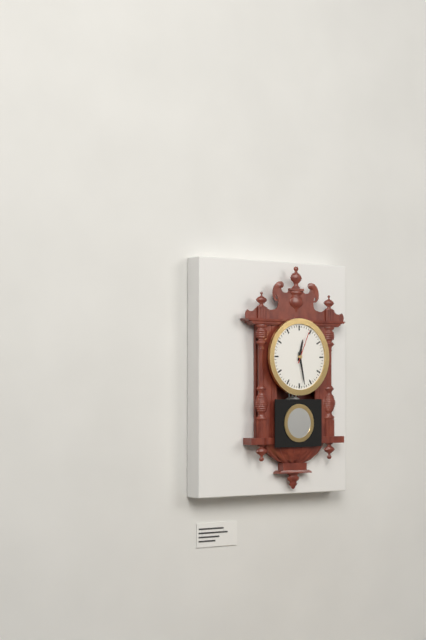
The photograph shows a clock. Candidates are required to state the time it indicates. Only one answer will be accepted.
12:28
